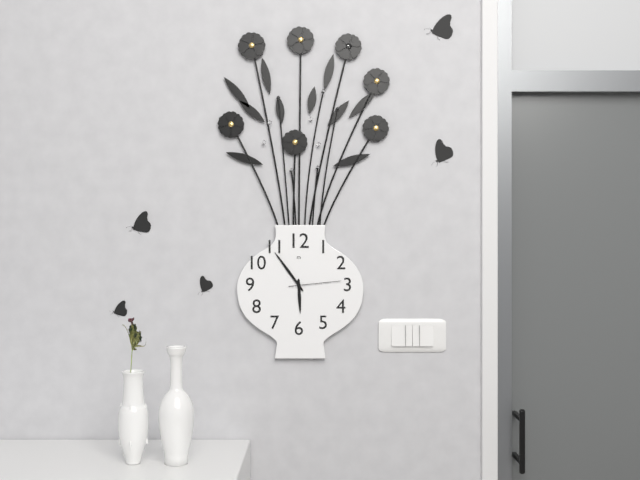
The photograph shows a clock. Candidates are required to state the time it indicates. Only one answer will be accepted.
5:54:14
